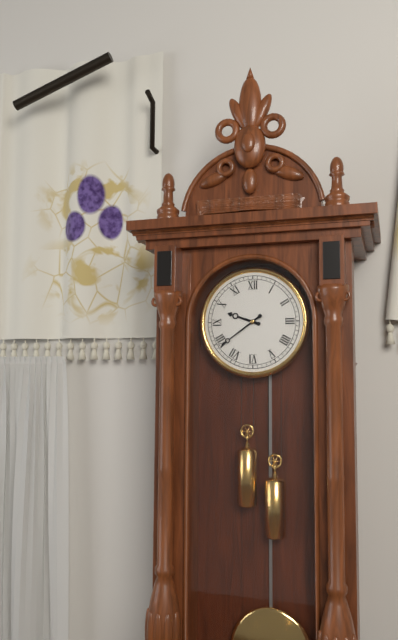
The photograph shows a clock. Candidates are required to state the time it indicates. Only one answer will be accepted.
9:39
